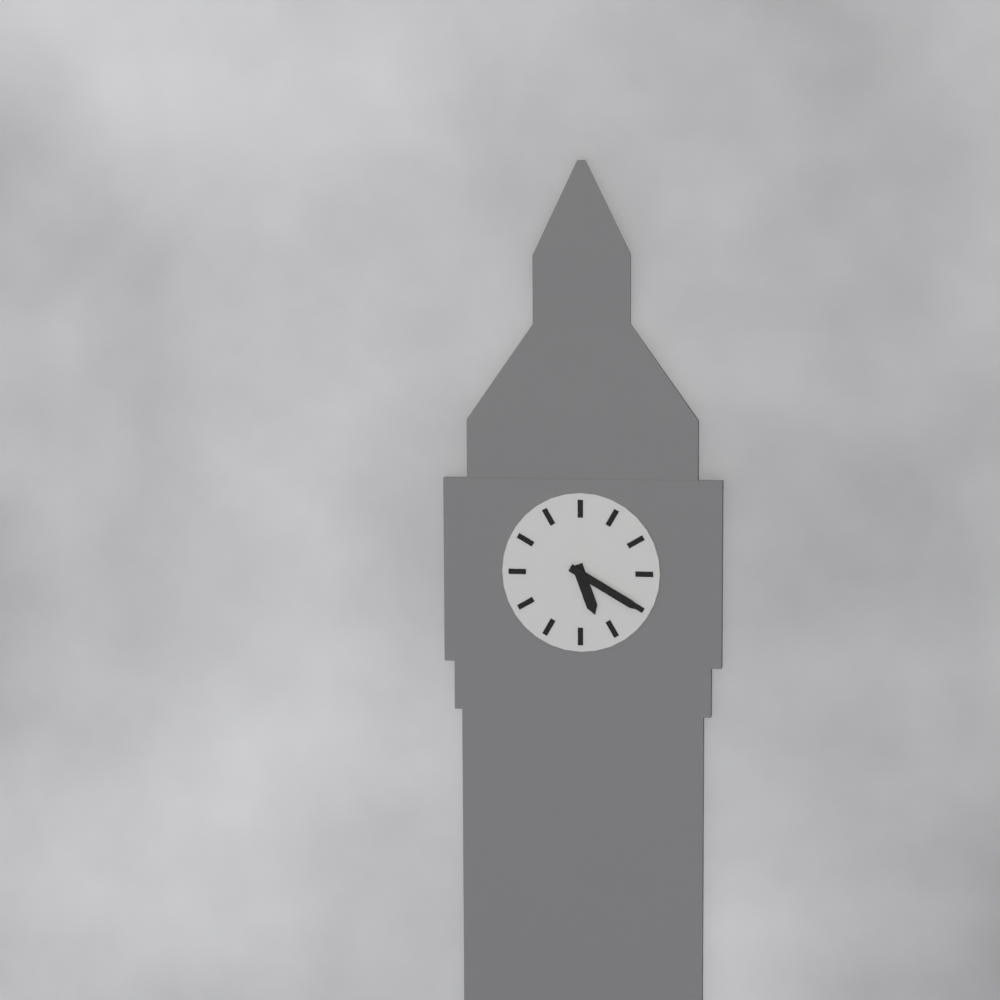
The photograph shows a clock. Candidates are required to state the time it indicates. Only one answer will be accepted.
5:20
